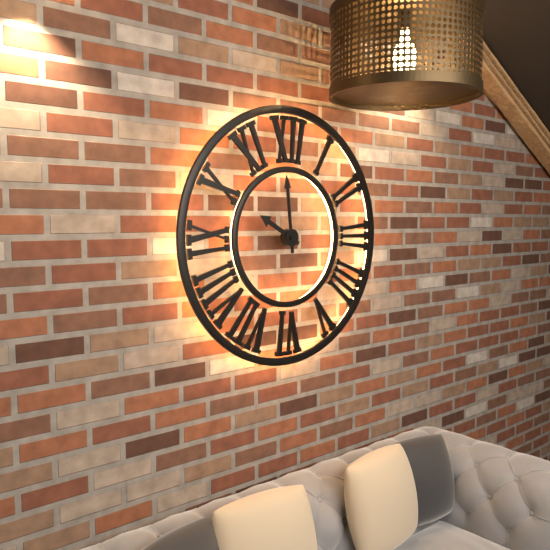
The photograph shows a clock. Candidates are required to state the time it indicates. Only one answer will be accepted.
9:59
